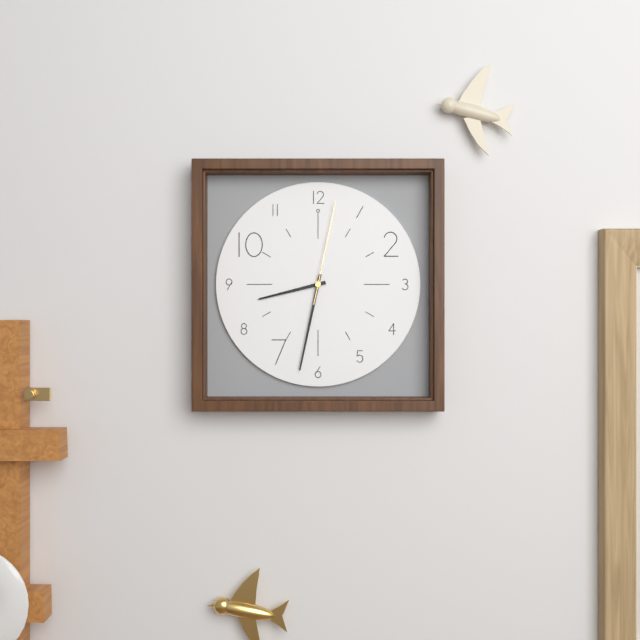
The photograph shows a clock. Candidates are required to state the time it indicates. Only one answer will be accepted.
8:32:02
